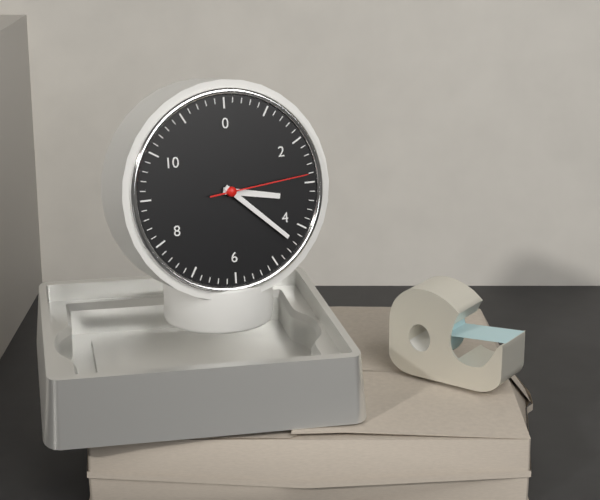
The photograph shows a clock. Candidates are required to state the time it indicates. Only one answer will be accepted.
3:22:14
